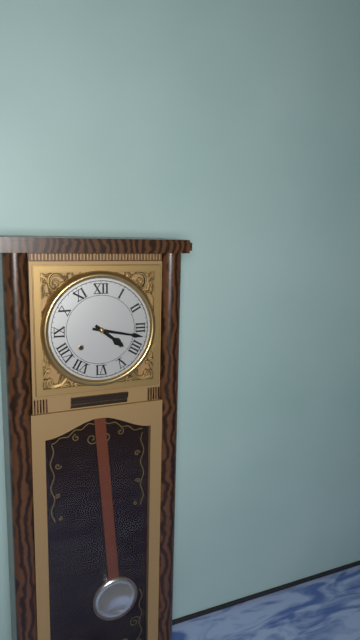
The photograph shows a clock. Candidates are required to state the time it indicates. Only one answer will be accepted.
4:17
